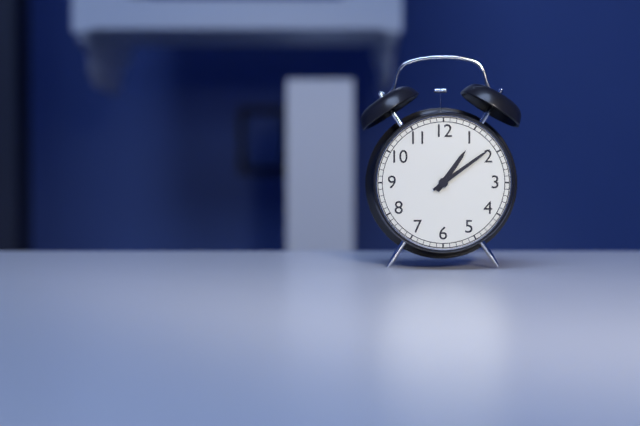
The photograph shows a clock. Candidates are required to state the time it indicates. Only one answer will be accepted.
1:09
